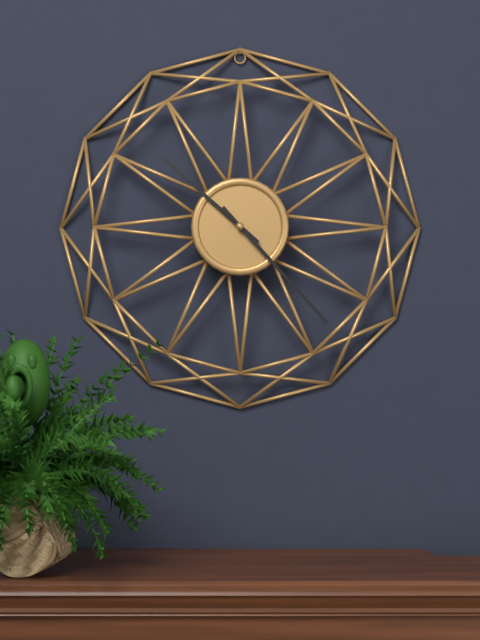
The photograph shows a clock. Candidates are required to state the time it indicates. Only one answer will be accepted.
10:23
